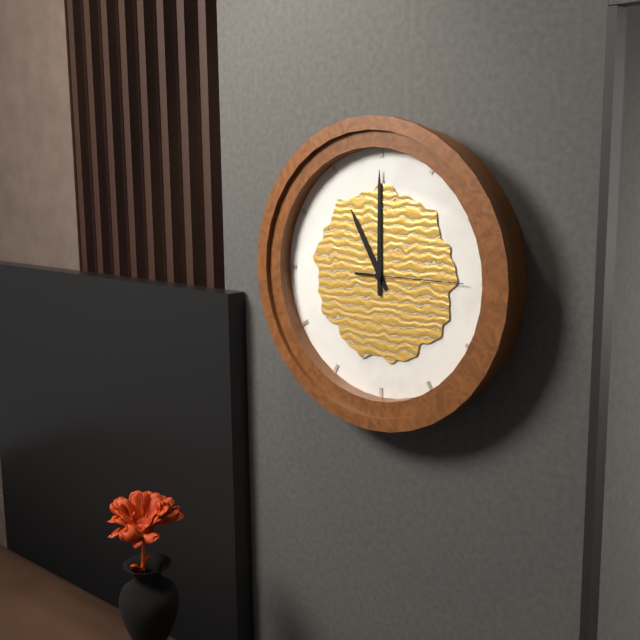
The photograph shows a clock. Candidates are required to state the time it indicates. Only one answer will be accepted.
11:00:15
